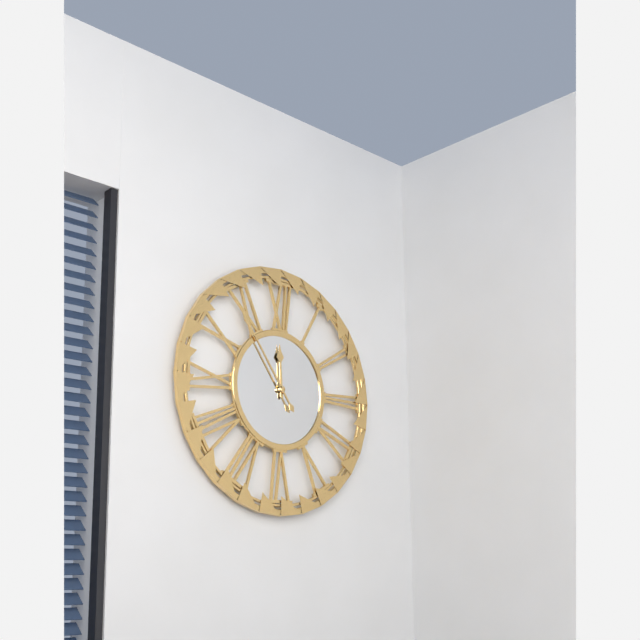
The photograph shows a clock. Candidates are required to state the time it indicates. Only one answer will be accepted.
11:54
